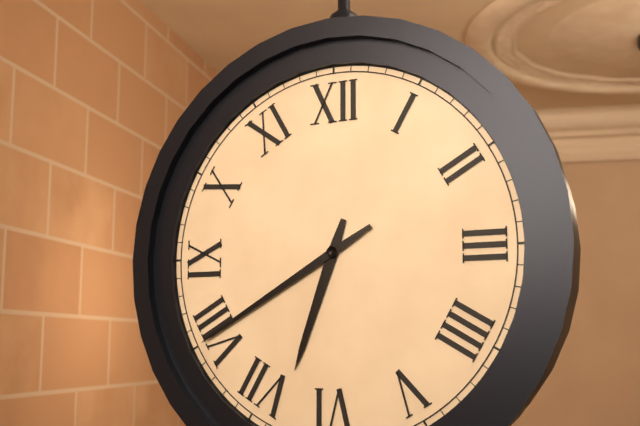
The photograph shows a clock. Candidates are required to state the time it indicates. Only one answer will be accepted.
6:40
